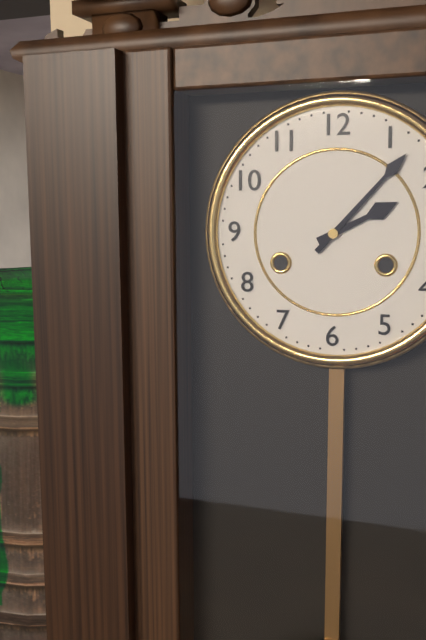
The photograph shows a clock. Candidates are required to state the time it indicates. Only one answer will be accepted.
2:07
